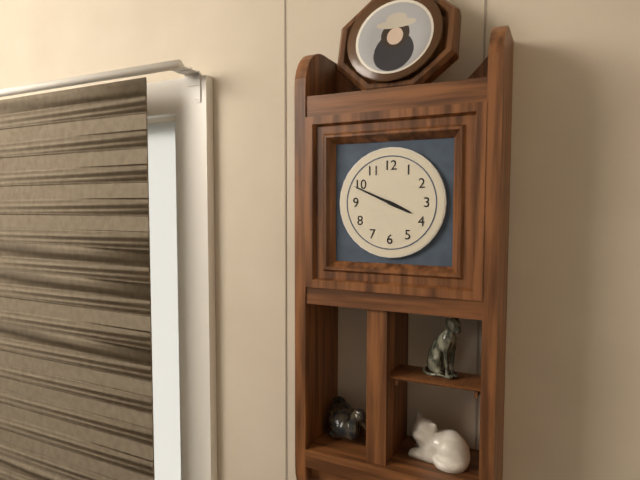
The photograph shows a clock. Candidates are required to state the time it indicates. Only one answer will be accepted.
3:49
